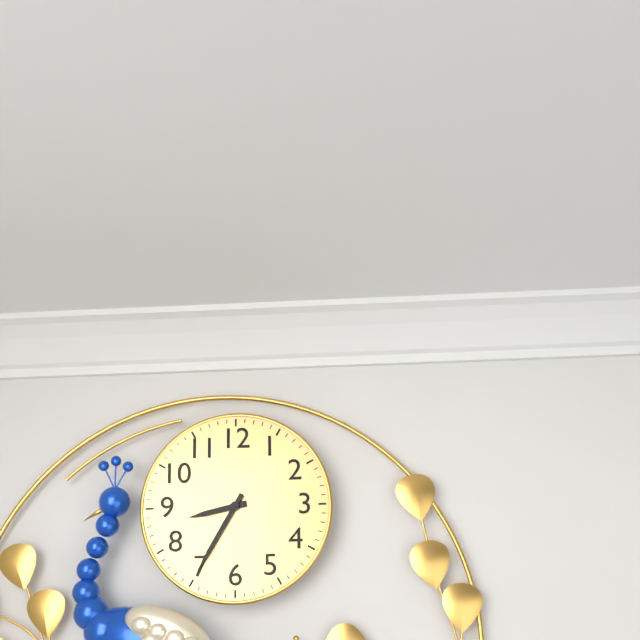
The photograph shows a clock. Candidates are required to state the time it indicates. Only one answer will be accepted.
8:35
